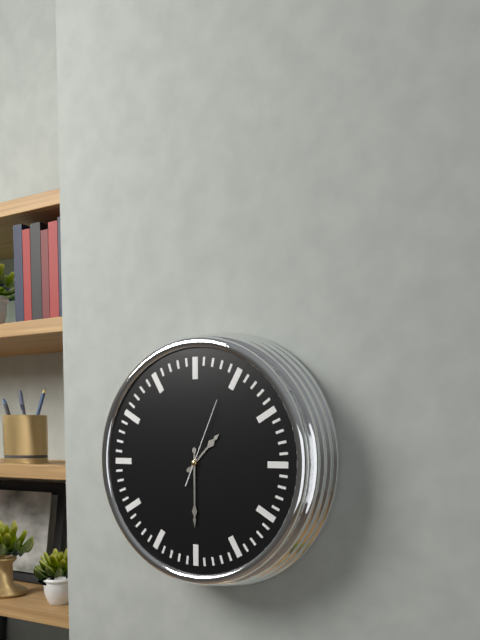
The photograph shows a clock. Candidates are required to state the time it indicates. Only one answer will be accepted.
1:30:04
